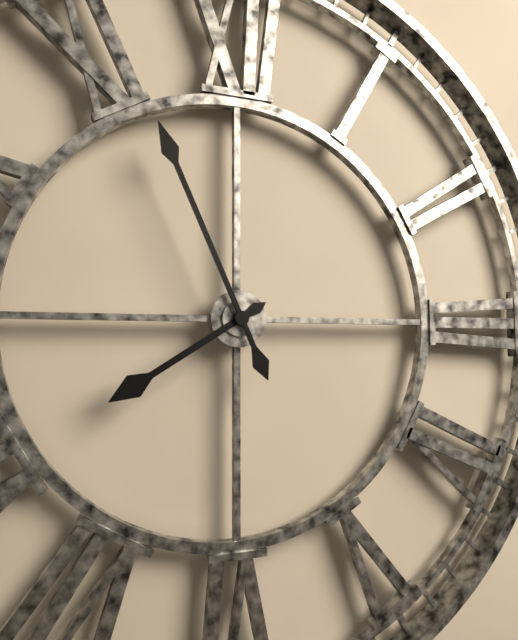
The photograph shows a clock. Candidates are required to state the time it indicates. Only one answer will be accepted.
7:56
